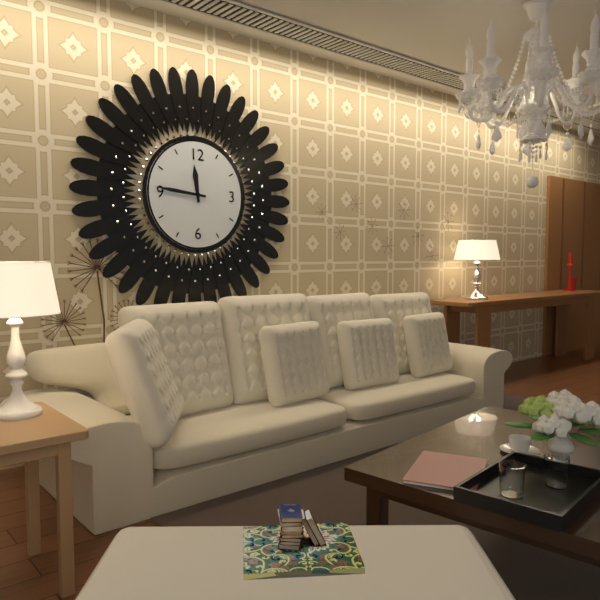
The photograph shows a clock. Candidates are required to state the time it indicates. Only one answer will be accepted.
11:46
